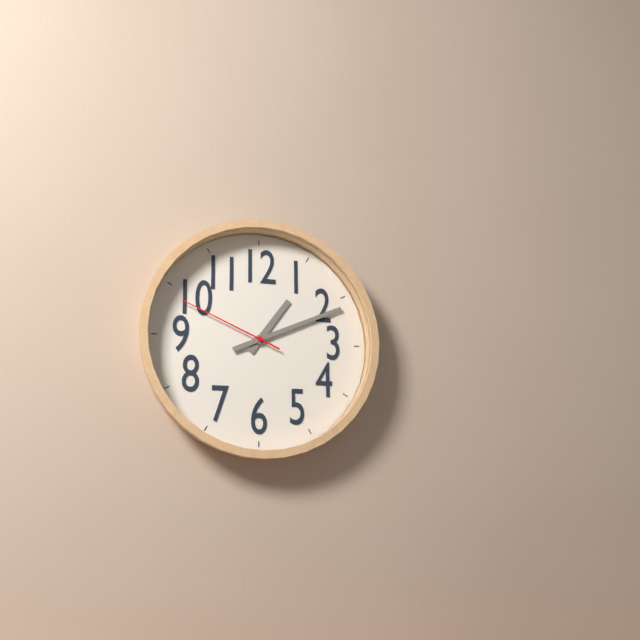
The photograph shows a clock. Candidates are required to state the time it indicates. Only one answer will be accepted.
1:11:49
